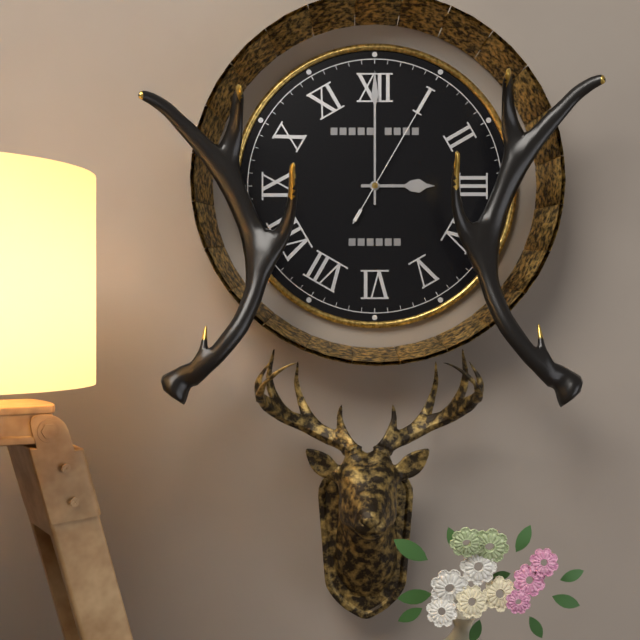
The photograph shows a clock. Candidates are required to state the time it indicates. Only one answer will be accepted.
3:00:05
